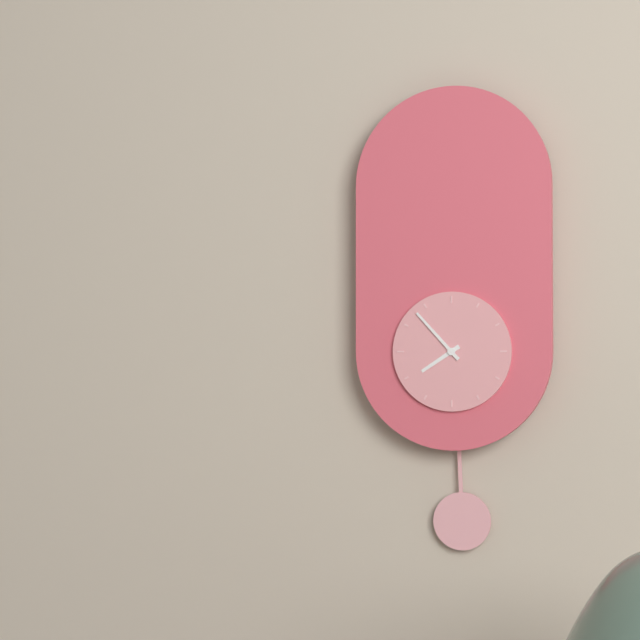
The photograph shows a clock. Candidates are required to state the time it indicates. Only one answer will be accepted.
7:53
